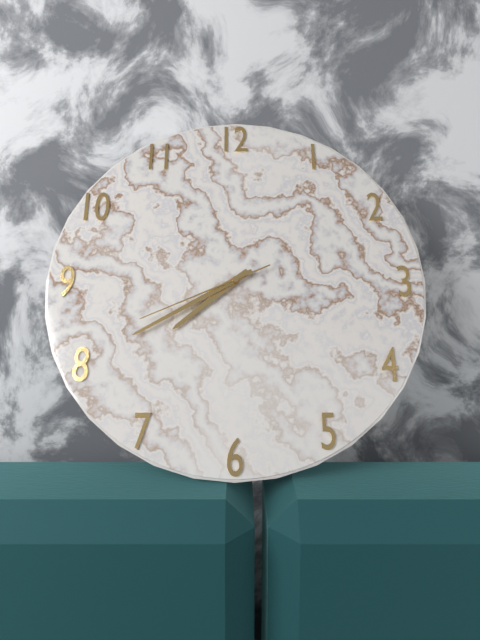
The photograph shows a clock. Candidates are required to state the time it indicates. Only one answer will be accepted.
7:40:41
